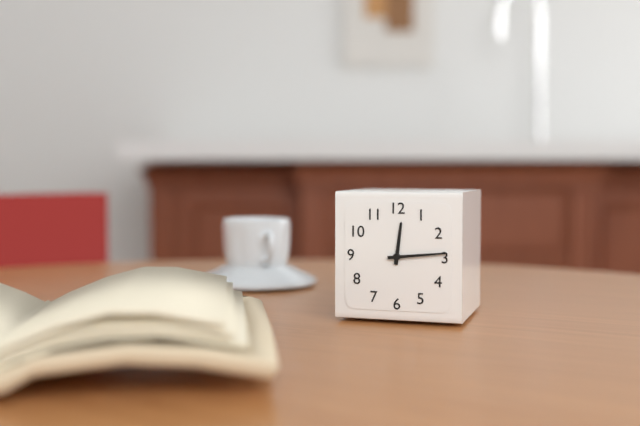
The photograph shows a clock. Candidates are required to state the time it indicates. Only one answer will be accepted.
12:14
